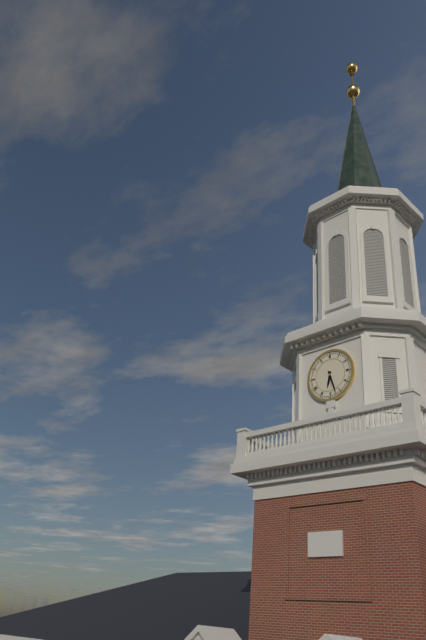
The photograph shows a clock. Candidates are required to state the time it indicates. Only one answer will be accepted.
6:27
